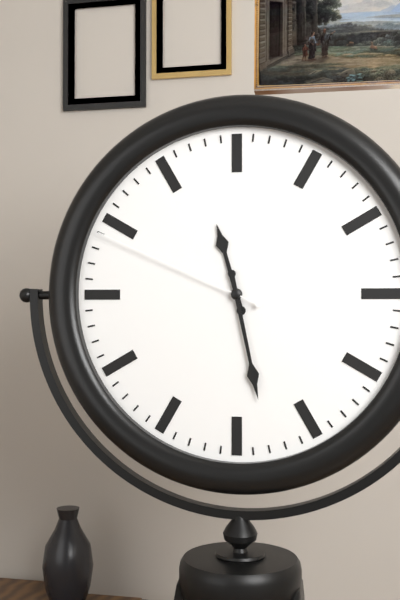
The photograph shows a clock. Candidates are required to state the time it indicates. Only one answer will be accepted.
11:28:49
